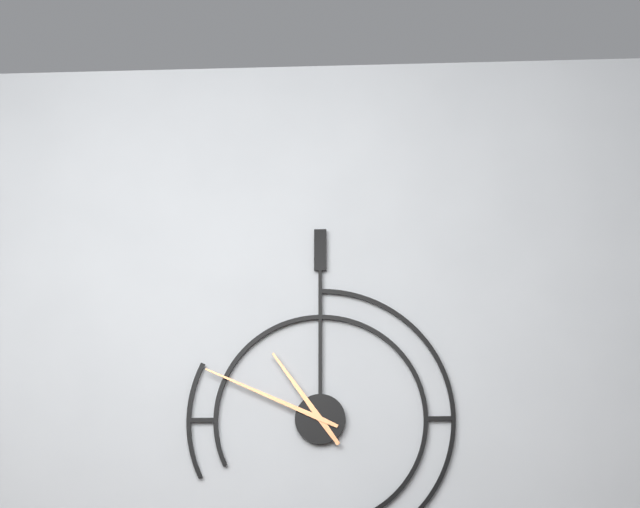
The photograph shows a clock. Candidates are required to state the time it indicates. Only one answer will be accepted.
10:49
